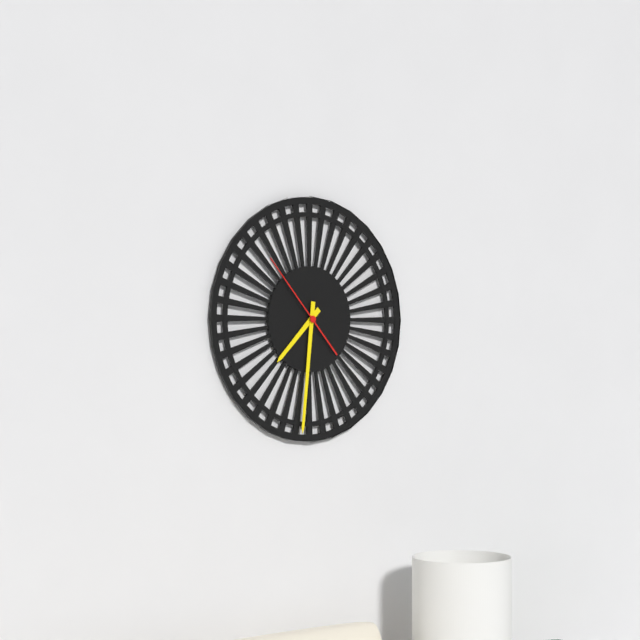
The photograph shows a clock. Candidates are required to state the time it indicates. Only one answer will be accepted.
7:31:53
